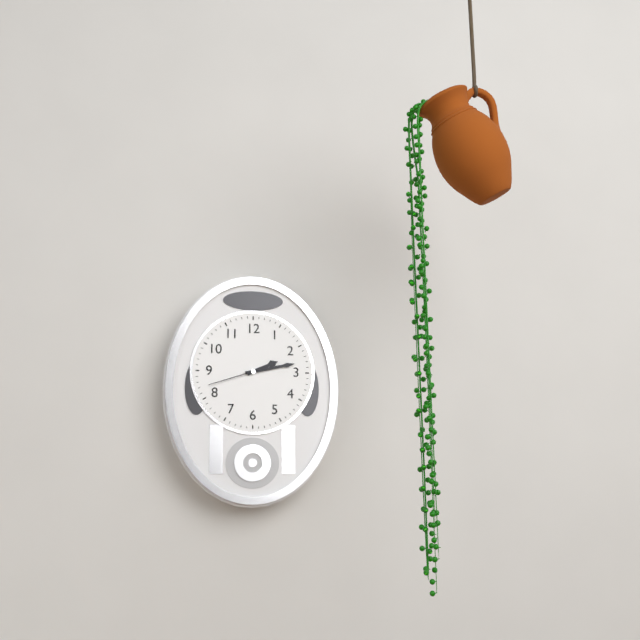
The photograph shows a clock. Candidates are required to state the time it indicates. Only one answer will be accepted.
2:13:42
